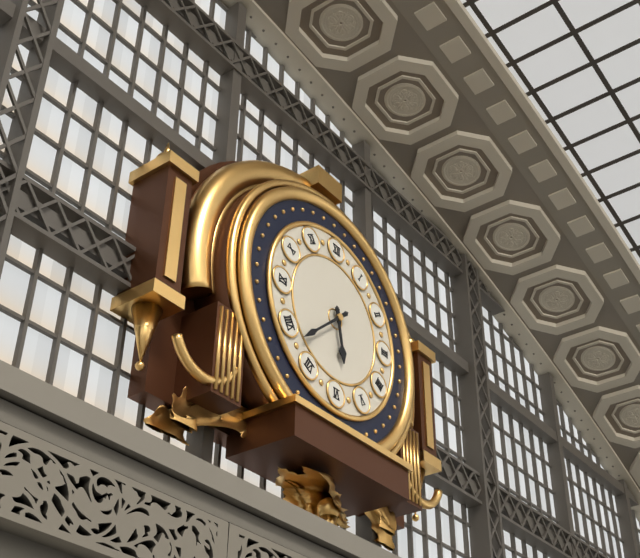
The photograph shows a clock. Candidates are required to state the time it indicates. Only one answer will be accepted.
5:38
